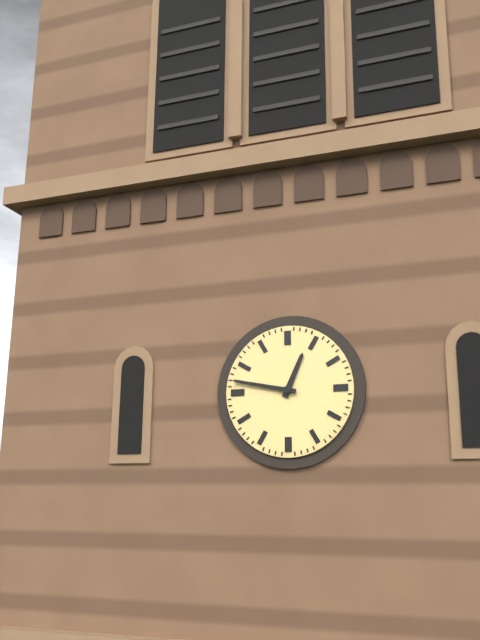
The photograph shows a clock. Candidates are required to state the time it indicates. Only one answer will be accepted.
12:47
